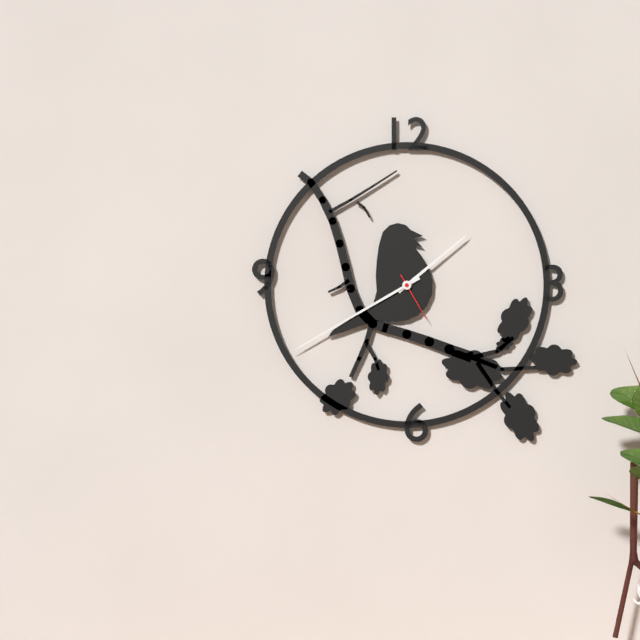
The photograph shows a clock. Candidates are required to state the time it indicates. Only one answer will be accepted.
1:40:25
